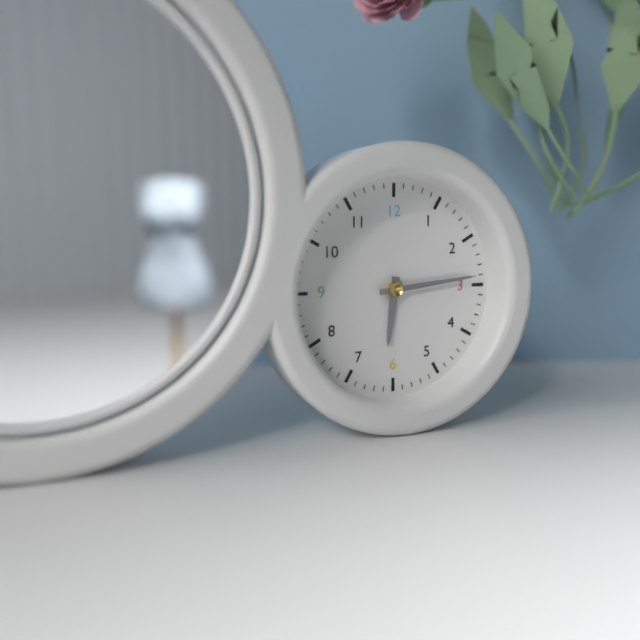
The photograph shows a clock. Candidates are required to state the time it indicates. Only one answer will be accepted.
6:14
